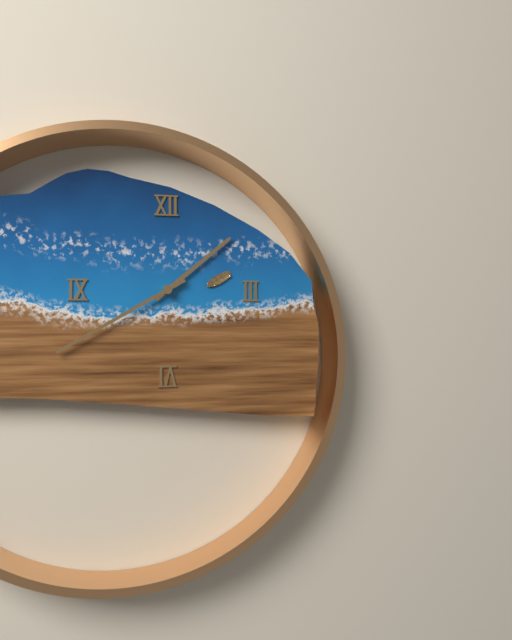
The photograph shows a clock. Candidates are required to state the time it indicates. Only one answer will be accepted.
1:40
